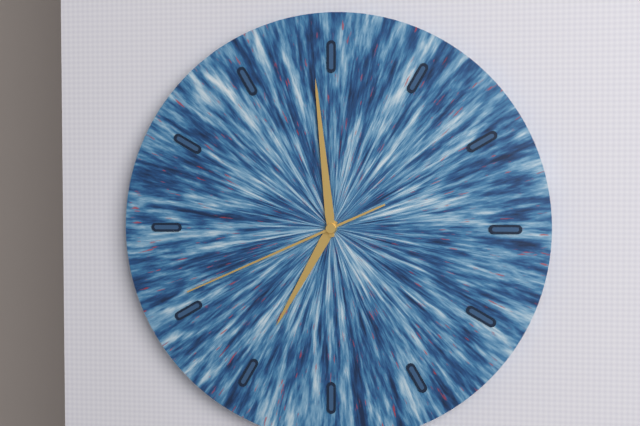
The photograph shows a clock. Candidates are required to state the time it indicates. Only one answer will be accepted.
6:59:41
